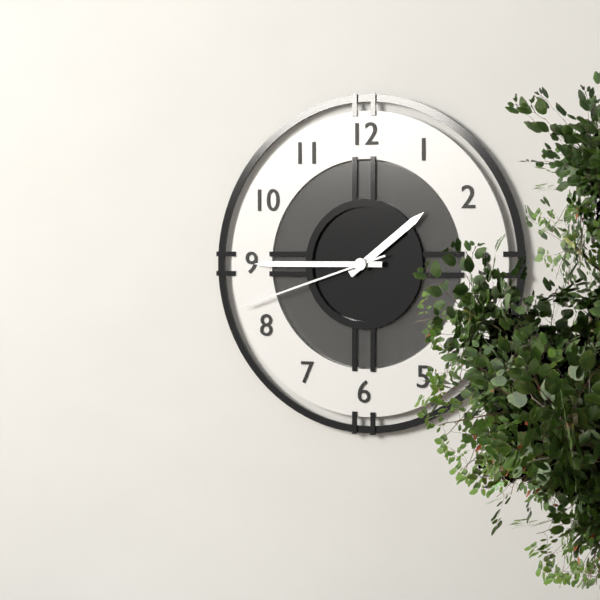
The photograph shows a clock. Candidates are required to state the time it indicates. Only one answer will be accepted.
1:45:42
